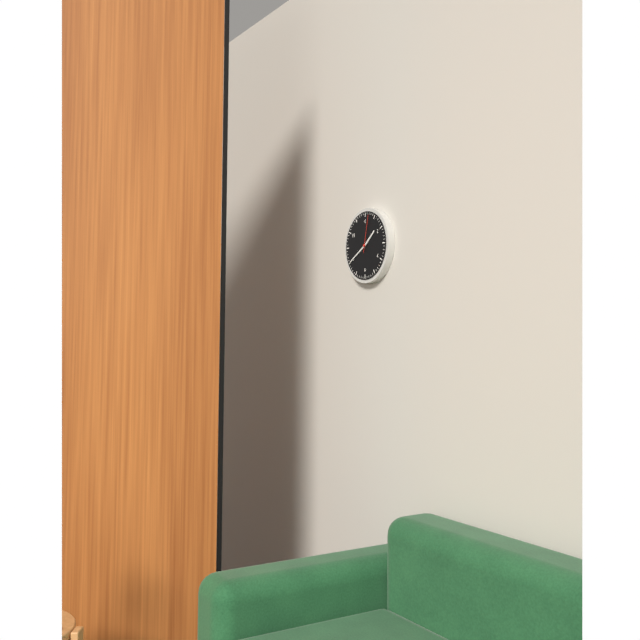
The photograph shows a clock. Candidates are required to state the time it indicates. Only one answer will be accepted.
1:40
